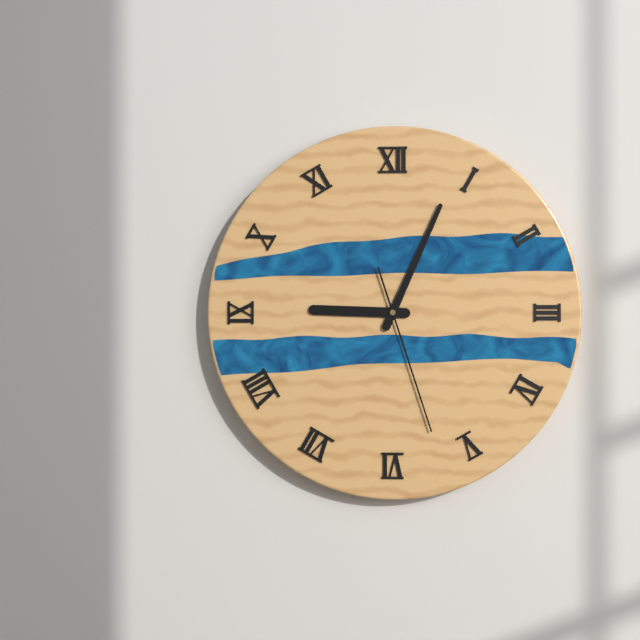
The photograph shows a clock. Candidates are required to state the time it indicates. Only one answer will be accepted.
9:04:27
